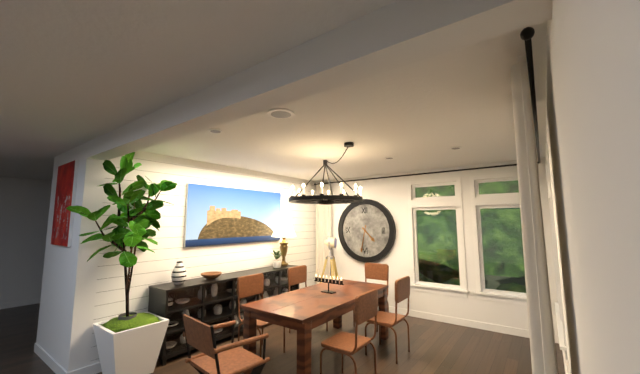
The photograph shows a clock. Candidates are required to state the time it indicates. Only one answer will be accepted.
4:32
